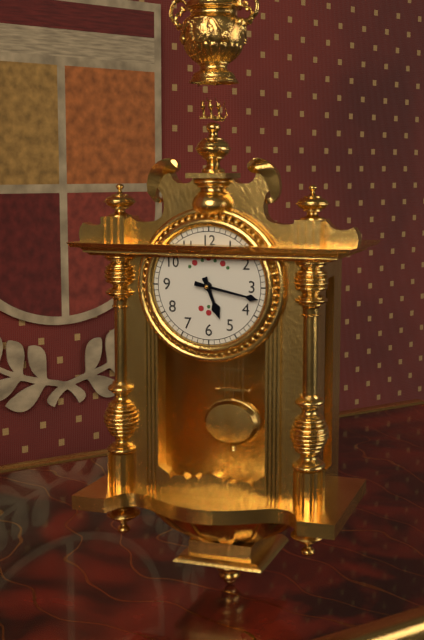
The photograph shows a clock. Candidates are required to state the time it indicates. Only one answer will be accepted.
5:17
